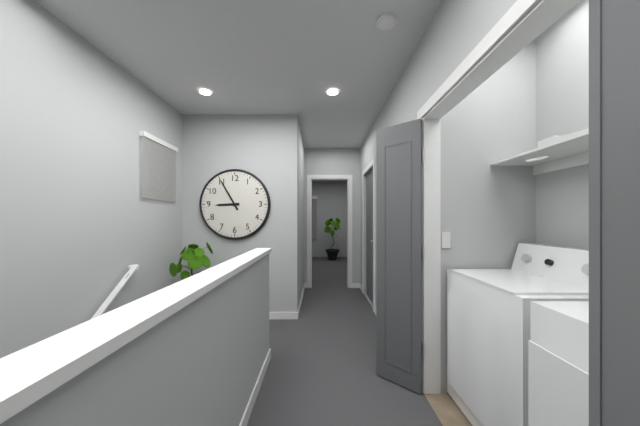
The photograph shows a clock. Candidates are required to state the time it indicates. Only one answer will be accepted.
8:55
